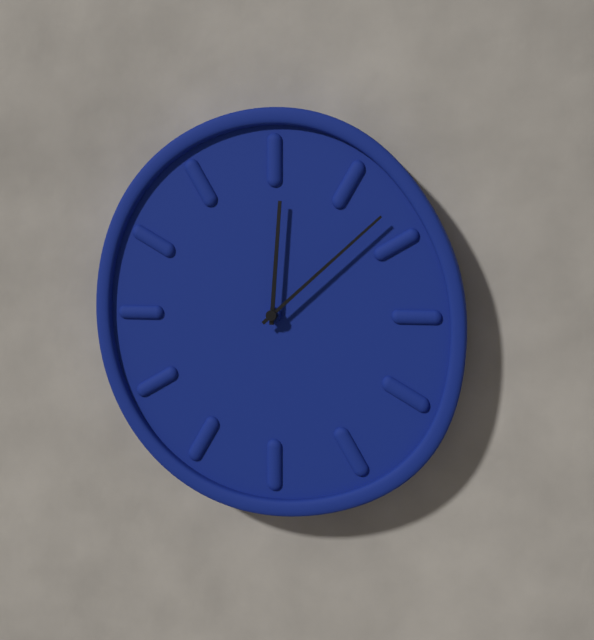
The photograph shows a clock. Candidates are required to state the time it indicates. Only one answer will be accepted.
12:08
